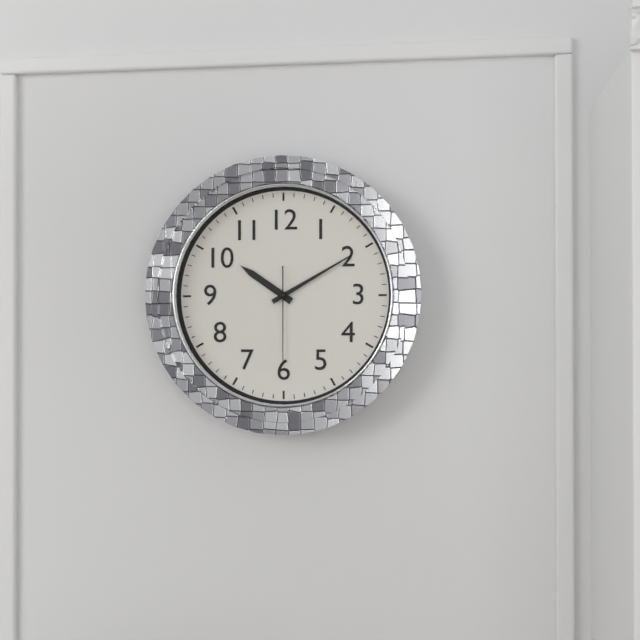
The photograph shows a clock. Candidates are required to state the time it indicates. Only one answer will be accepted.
10:10:30
